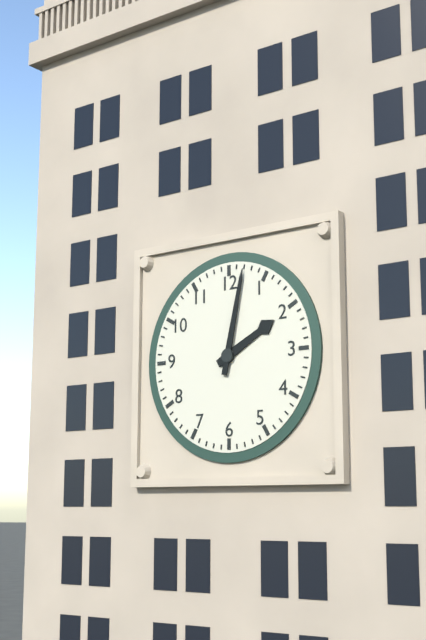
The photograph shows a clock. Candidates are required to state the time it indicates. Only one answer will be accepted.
2:02
